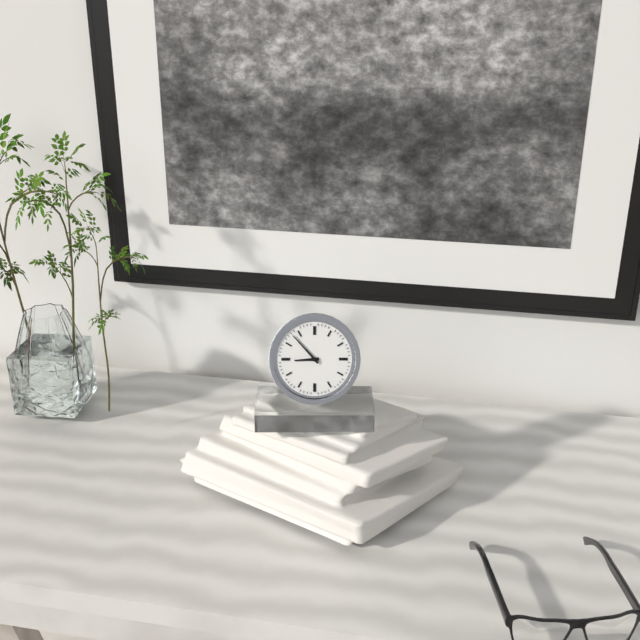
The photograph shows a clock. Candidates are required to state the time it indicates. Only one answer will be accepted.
8:53
